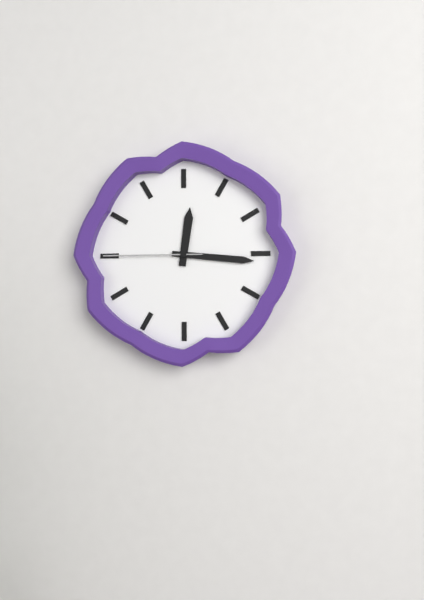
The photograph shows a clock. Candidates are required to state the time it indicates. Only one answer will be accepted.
12:16:45
